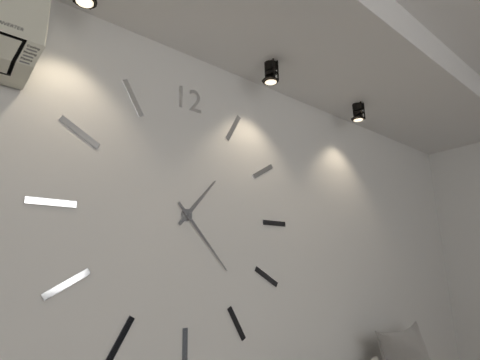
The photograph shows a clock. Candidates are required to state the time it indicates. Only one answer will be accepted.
1:23
